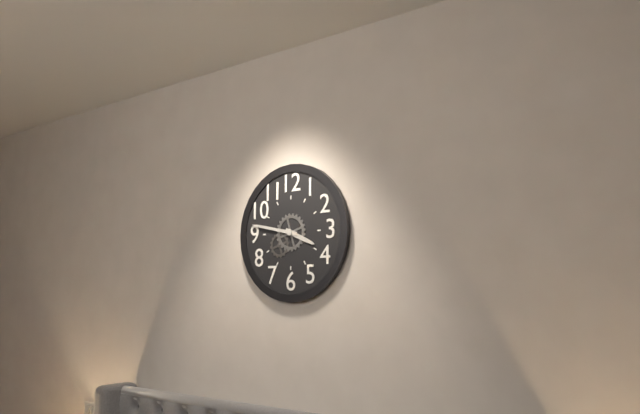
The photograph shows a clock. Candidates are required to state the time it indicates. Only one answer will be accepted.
3:47
